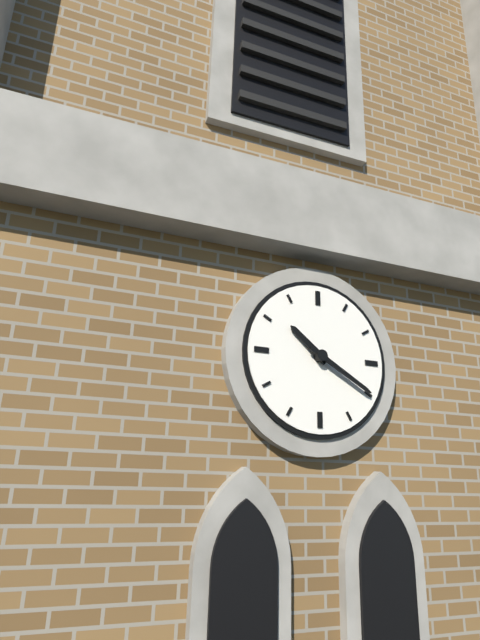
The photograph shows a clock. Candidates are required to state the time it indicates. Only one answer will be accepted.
10:20
